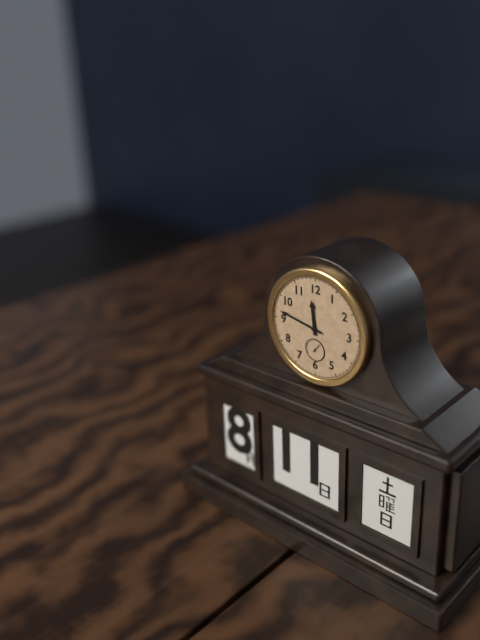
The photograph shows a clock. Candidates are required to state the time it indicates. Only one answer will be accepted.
11:47
